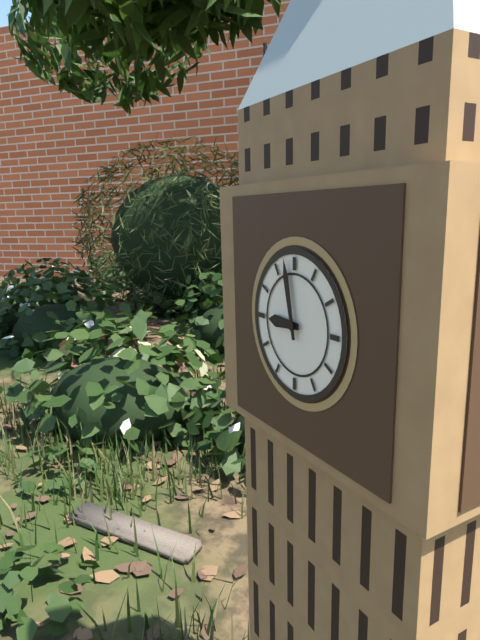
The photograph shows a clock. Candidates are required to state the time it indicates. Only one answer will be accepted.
8:58
